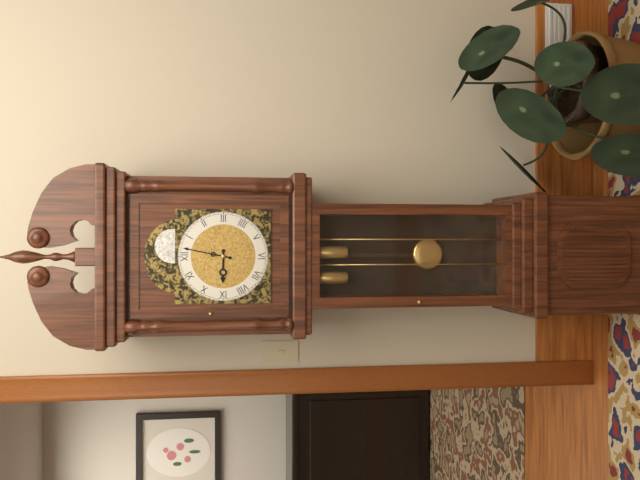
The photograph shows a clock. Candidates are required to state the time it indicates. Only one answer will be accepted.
9:02
